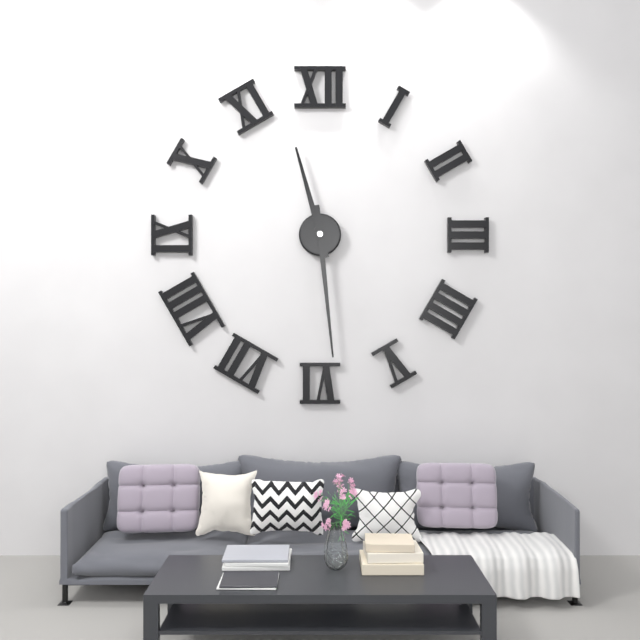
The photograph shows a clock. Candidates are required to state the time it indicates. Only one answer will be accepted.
11:29
